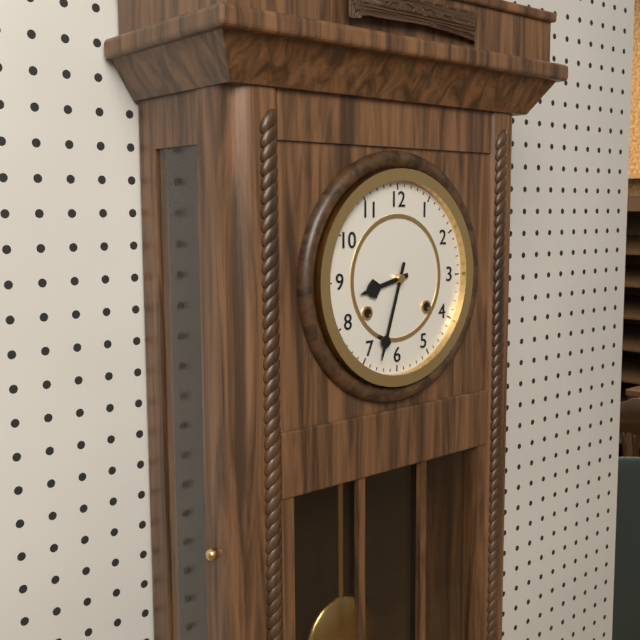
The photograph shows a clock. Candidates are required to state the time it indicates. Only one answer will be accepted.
8:33
